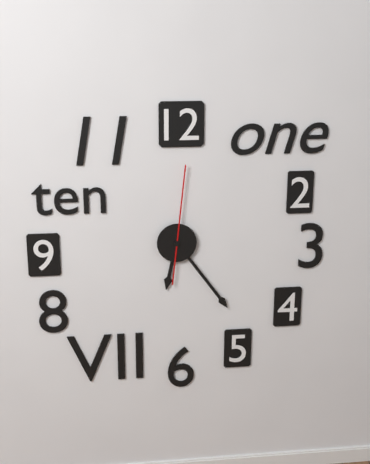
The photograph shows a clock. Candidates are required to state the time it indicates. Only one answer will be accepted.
6:24:01
